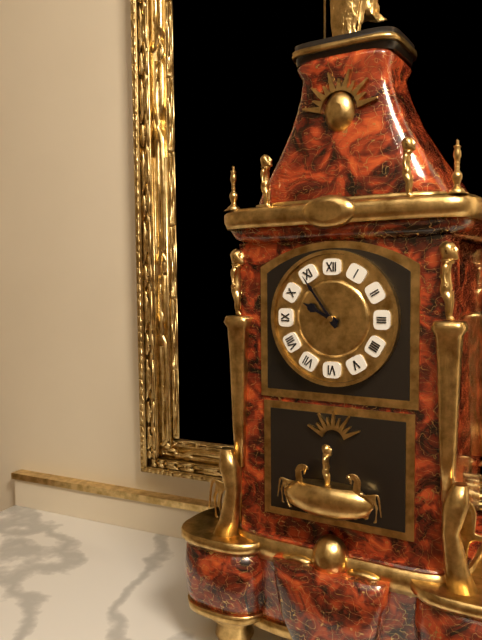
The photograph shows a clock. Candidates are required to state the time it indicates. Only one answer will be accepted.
9:54
